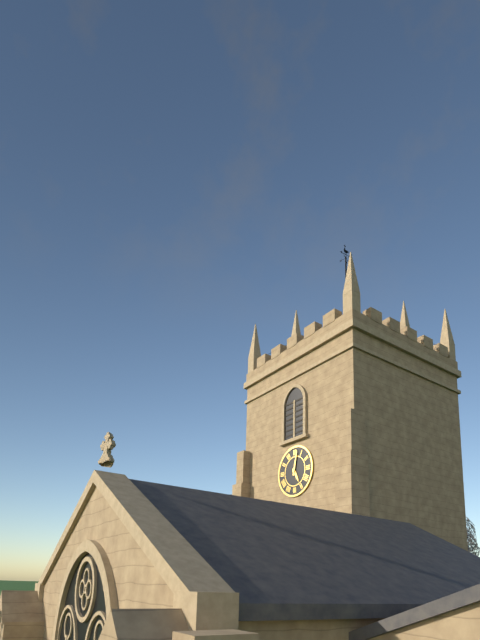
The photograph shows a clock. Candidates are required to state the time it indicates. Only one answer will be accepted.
5:02
